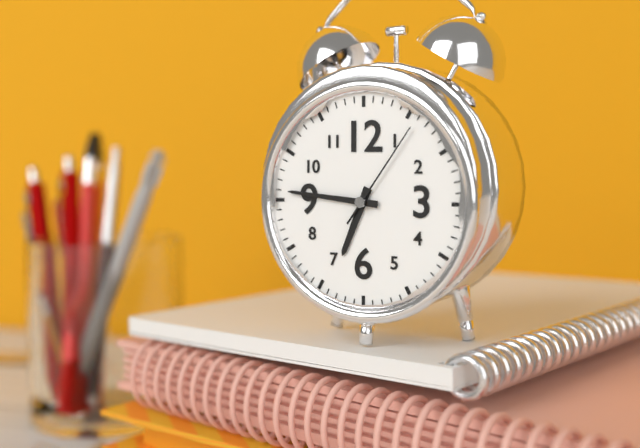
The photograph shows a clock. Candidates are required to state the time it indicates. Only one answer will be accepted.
6:46:06
